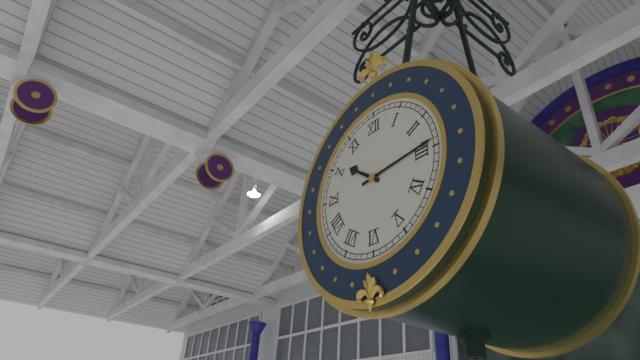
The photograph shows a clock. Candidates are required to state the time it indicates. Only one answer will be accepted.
10:14
